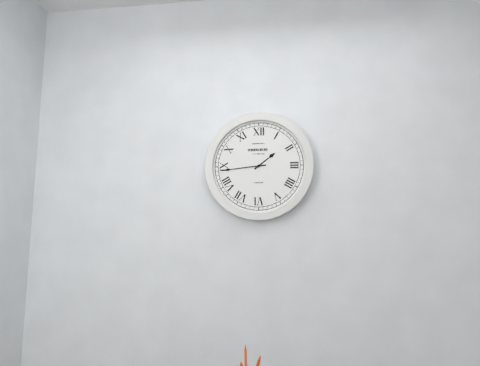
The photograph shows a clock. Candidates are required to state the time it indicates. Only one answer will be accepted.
1:44
